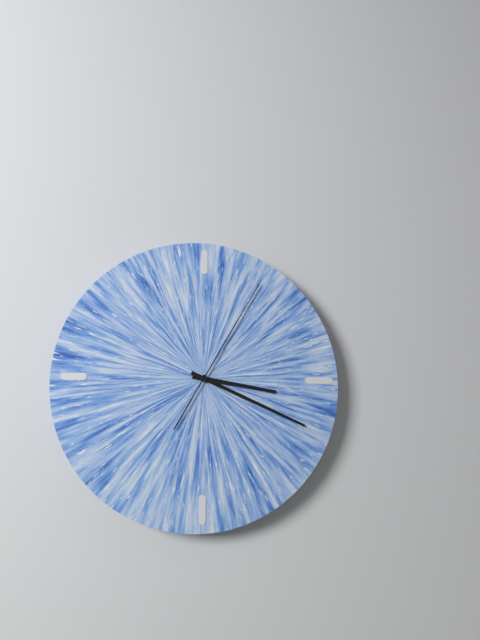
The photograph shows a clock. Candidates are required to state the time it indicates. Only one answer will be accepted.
3:19:05
